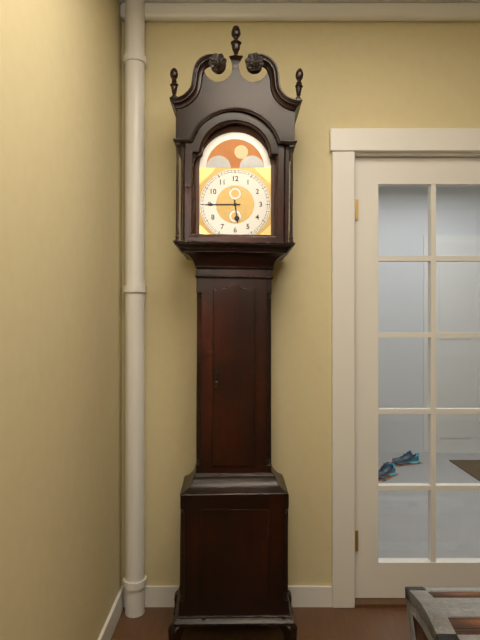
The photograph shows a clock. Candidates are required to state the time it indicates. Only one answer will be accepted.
5:45
